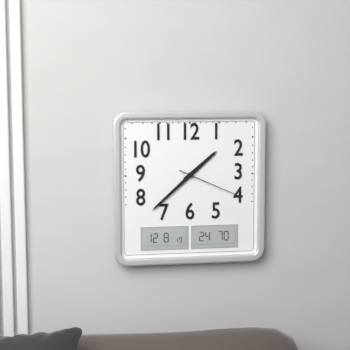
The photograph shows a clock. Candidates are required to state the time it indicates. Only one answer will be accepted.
1:38:19
